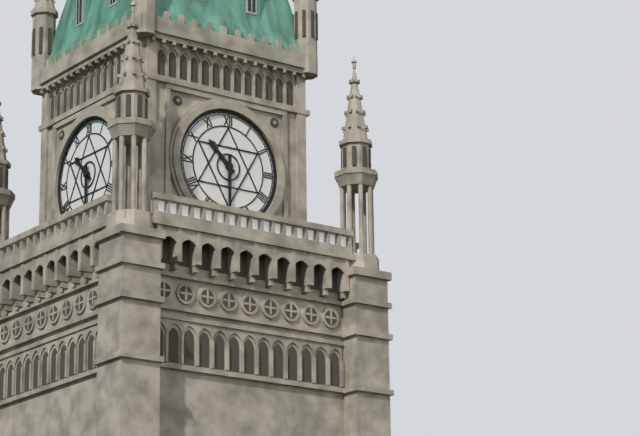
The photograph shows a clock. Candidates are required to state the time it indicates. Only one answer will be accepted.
10:30
